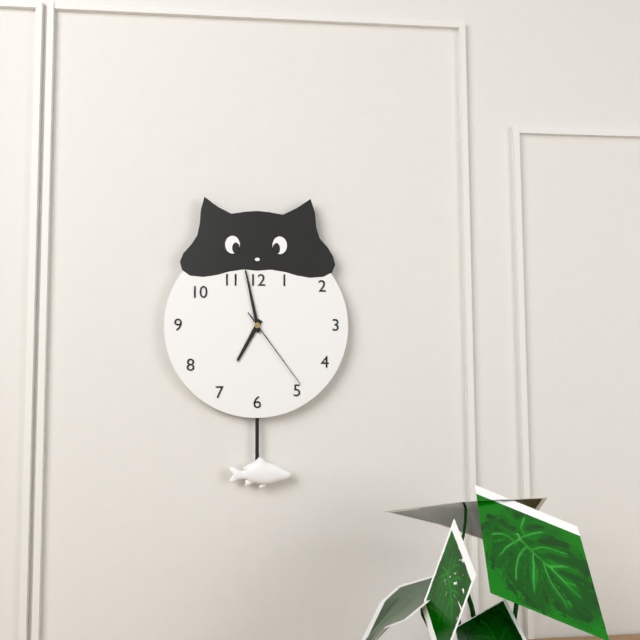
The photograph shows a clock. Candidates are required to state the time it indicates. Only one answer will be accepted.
6:58:24
